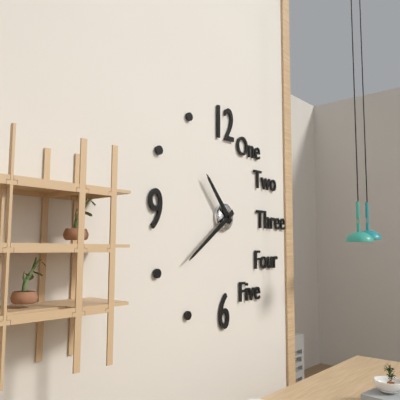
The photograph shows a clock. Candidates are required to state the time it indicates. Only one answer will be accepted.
10:39
